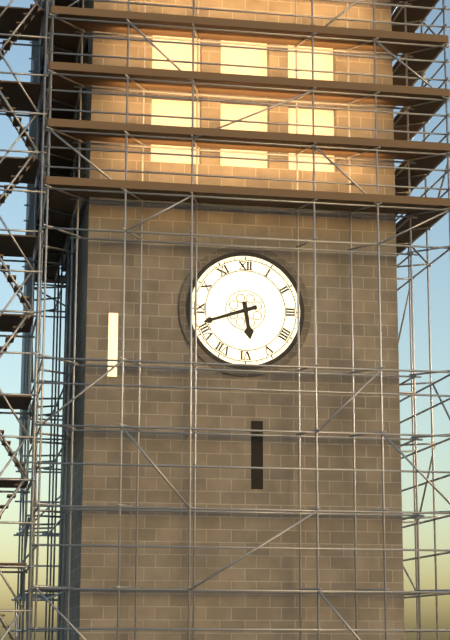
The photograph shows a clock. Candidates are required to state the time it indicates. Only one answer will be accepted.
5:42
